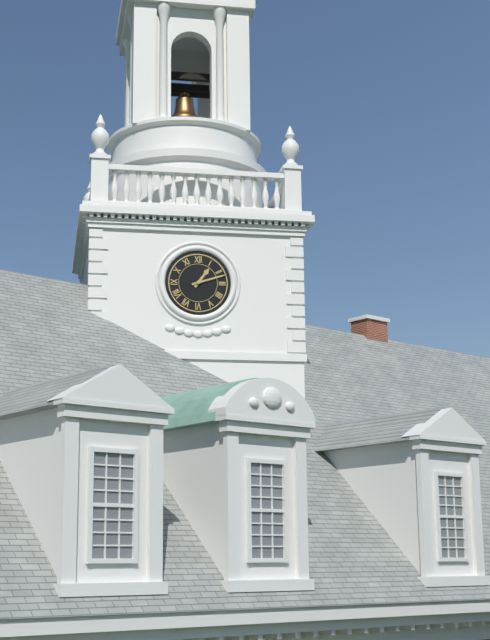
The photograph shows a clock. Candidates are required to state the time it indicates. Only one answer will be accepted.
1:12
